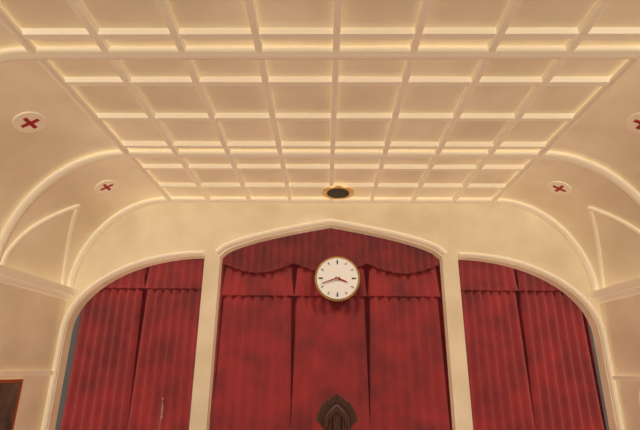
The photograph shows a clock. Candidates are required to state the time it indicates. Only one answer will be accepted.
3:42
